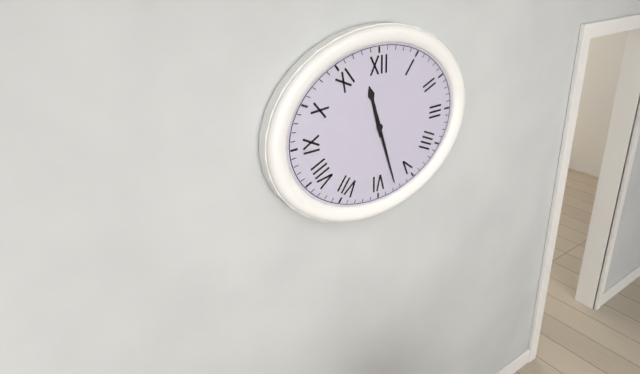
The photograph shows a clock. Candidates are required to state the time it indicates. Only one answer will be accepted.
11:27
